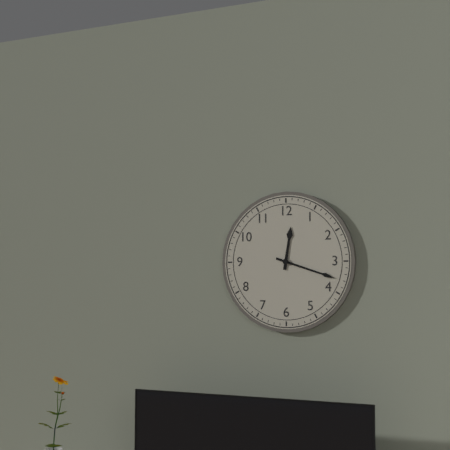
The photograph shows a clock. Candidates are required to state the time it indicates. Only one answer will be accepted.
12:18
